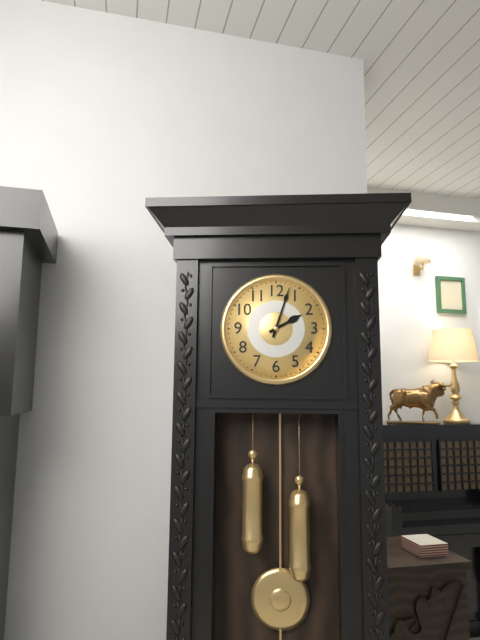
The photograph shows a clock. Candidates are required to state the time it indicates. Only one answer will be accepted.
2:03
